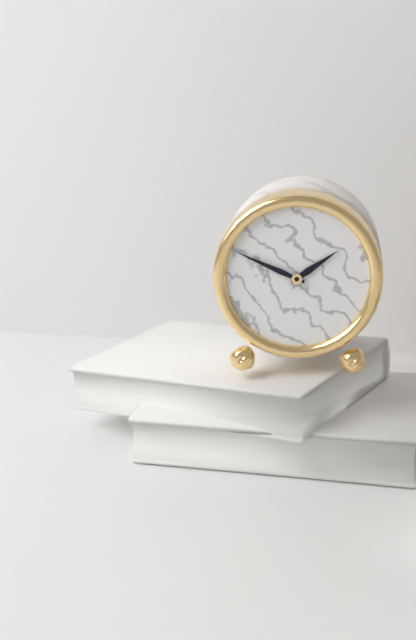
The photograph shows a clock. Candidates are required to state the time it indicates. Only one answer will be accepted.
1:49
